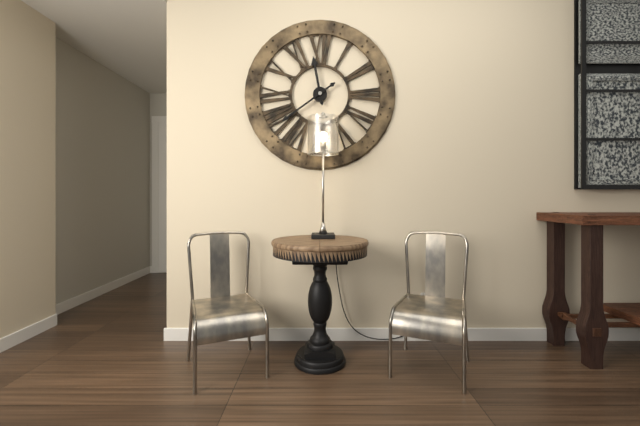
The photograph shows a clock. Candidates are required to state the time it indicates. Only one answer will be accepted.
11:39
